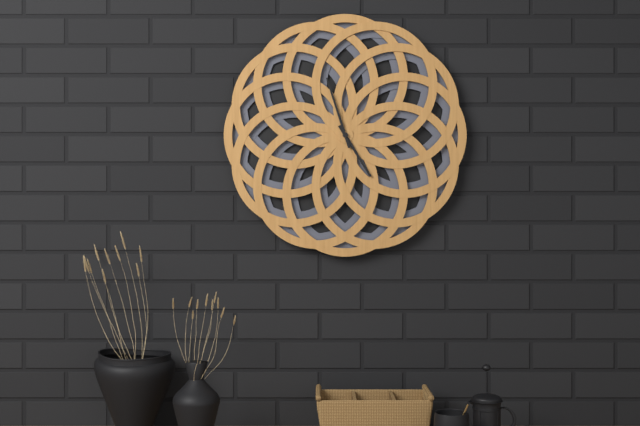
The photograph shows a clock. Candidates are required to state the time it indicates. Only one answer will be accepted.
4:57
